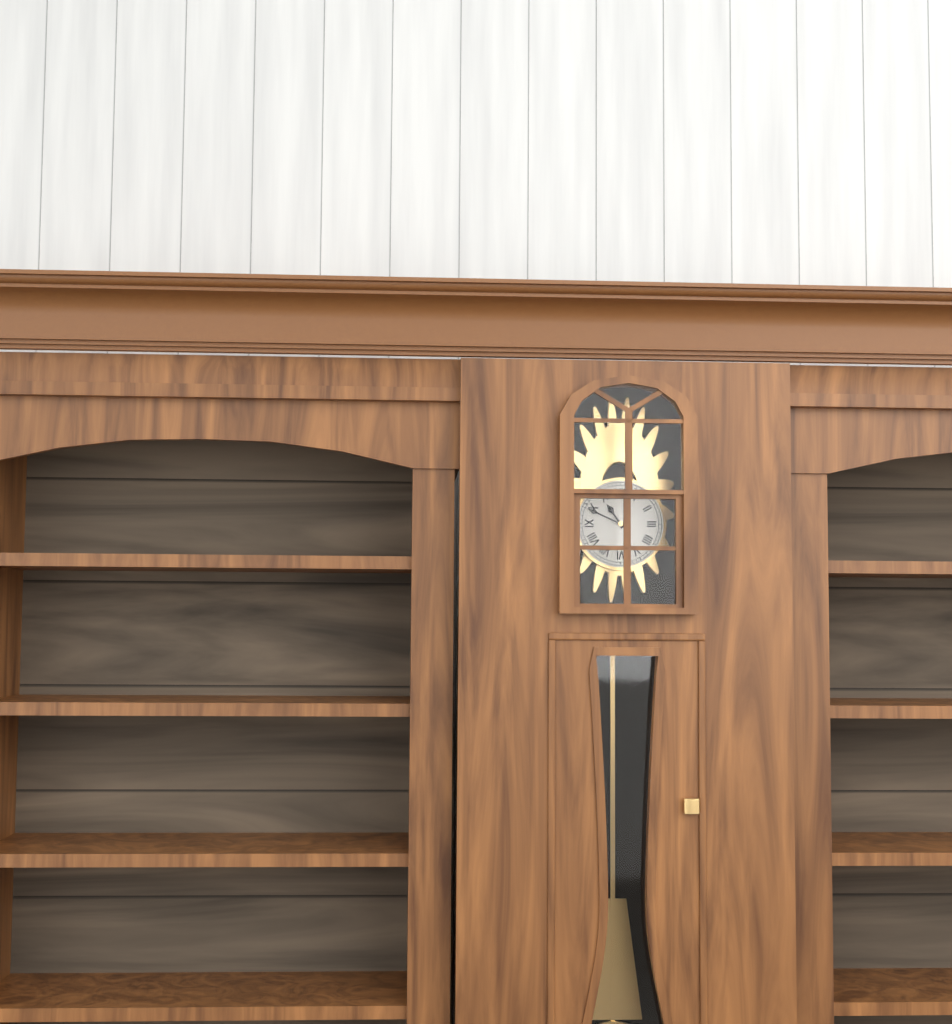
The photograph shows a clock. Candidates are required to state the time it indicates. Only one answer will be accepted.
10:49
